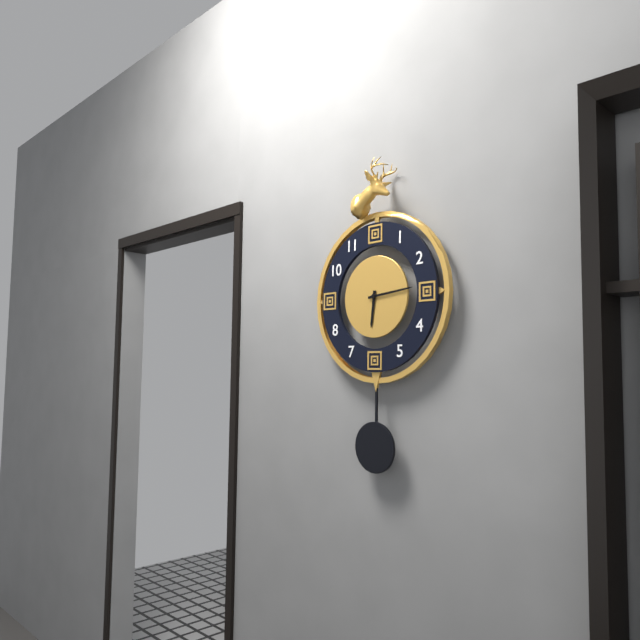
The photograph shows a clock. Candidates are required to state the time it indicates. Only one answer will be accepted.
6:14
